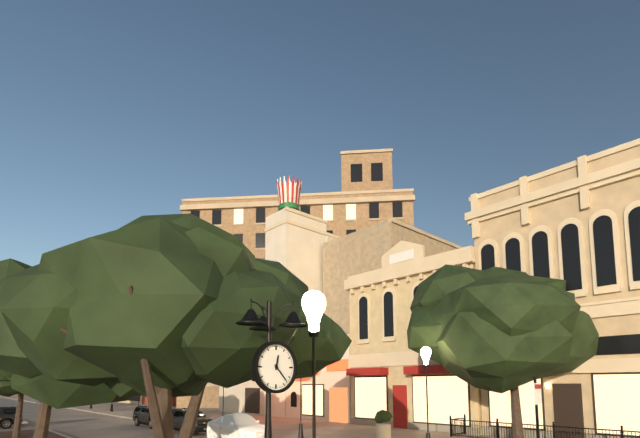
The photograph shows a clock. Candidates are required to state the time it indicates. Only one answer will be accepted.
12:23
